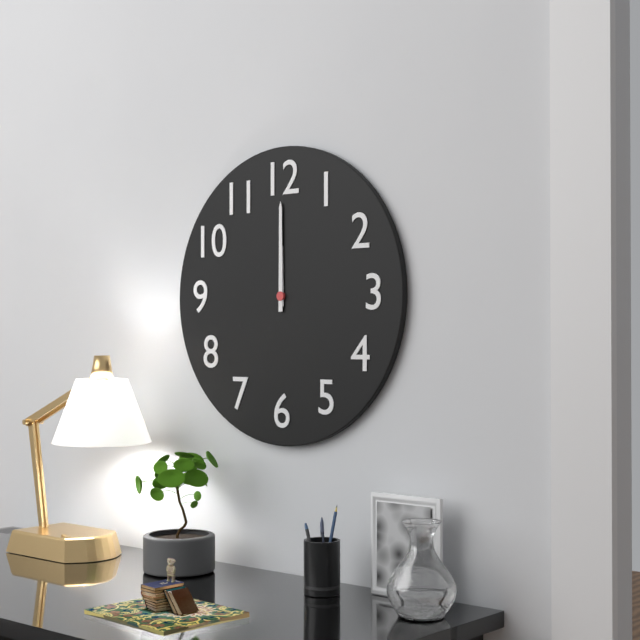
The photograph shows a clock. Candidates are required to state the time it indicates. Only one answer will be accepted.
12:00
